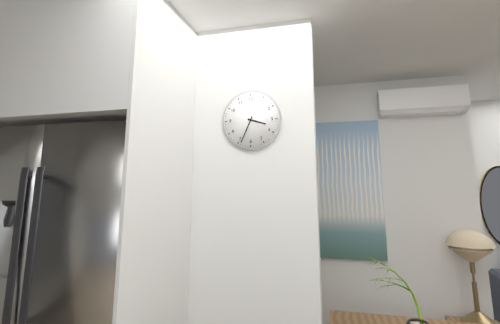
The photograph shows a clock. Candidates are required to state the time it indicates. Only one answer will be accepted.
3:34
